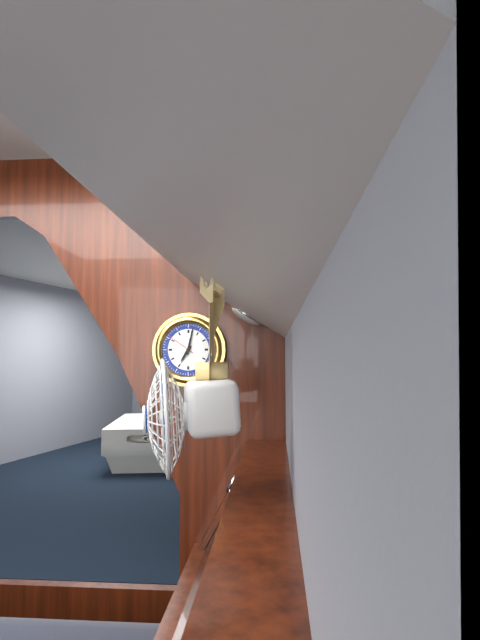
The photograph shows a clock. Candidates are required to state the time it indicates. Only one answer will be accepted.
7:02
